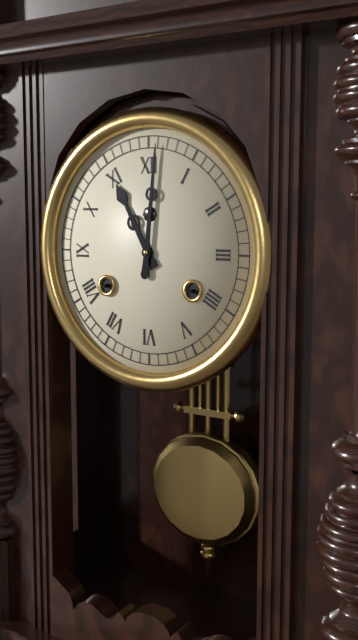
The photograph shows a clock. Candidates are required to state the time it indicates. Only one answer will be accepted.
11:01
